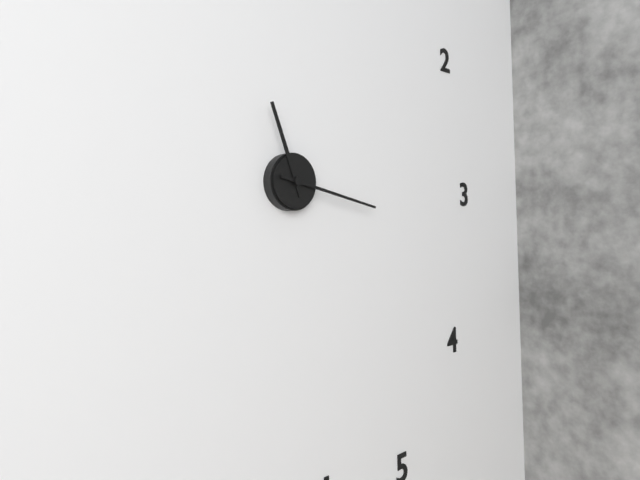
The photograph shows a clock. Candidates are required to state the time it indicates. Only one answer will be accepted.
11:17
